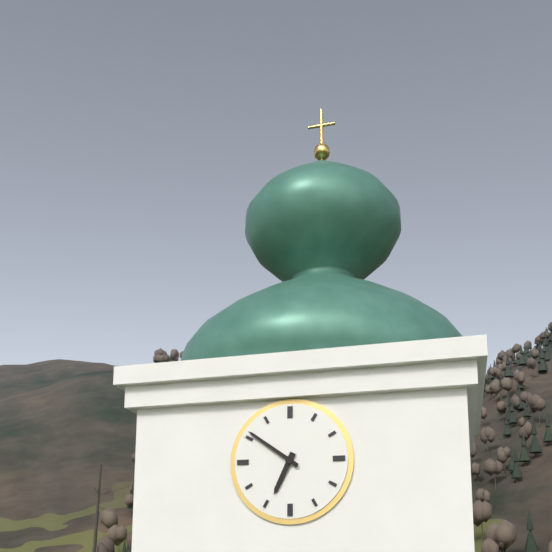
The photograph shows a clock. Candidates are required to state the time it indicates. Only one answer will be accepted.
6:51
